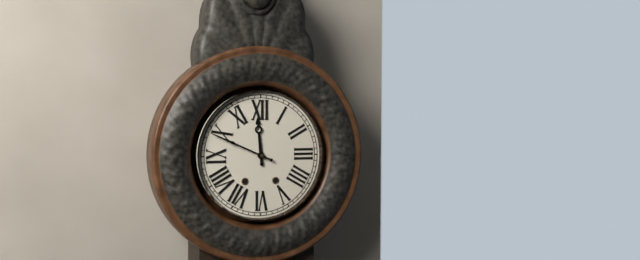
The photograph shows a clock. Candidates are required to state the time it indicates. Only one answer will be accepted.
11:49
